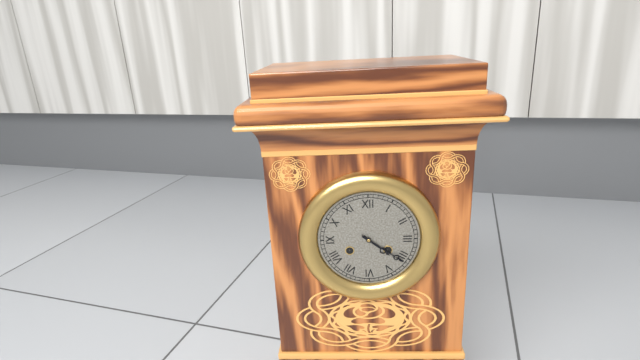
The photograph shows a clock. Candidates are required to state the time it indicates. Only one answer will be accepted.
4:21
